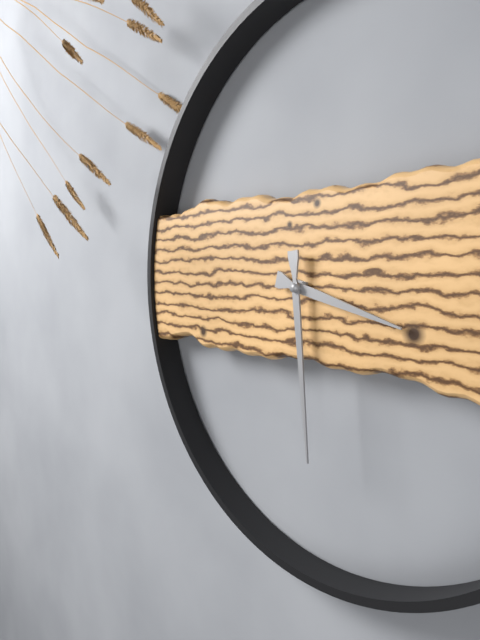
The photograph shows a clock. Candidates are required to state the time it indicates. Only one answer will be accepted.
3:29
